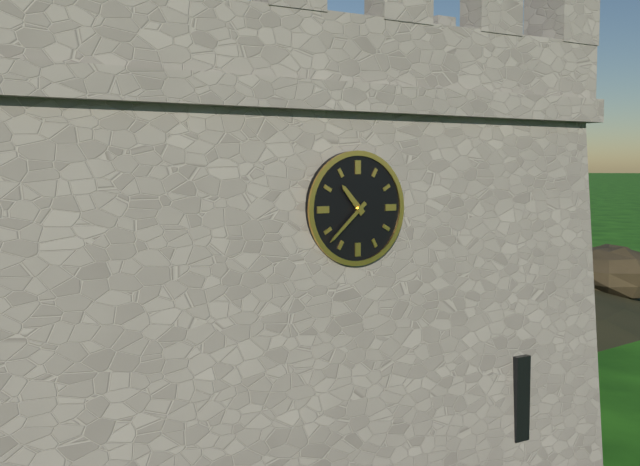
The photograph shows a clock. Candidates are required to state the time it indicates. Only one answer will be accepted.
10:38
